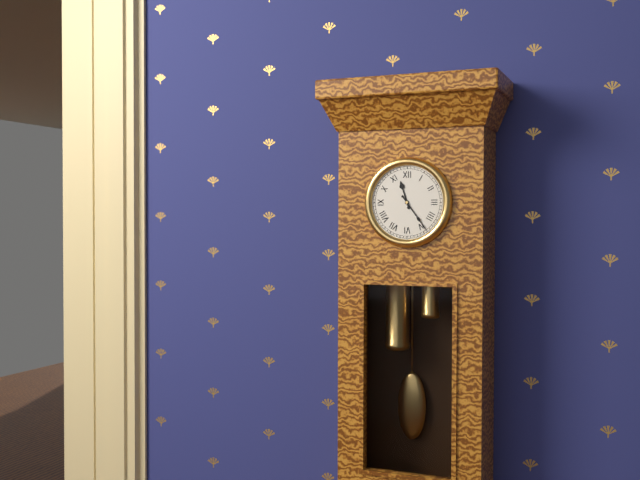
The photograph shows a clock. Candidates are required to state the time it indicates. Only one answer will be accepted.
11:24
